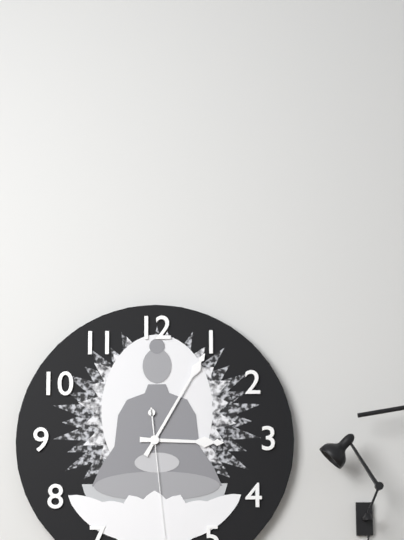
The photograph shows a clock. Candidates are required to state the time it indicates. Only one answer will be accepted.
3:05
